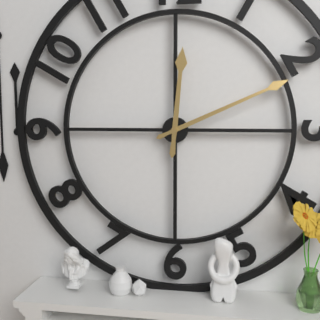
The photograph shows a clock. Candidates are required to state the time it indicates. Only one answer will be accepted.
12:11
